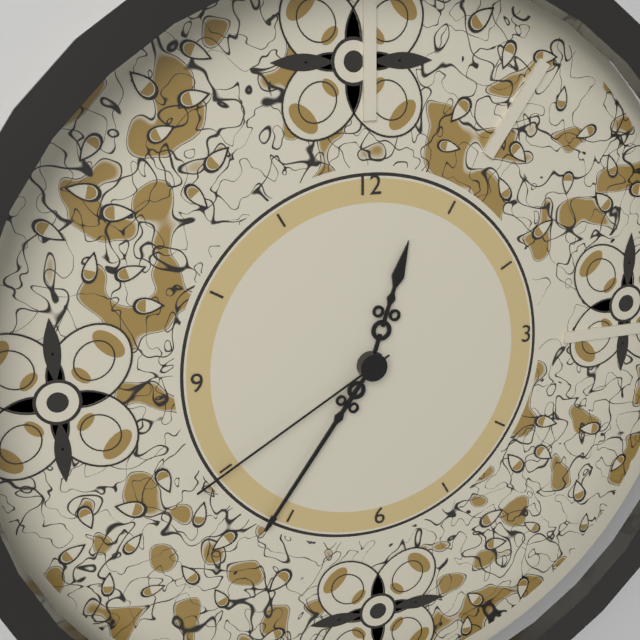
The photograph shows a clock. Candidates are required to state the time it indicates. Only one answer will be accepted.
12:36:40
